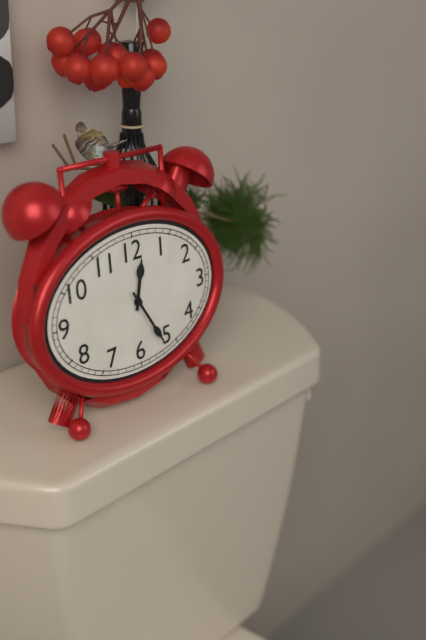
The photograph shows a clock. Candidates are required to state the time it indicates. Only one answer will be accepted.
12:25
